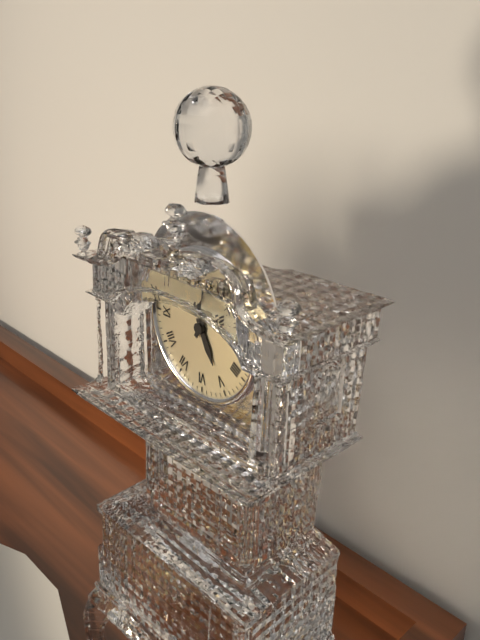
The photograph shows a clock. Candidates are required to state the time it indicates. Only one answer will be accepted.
5:05
